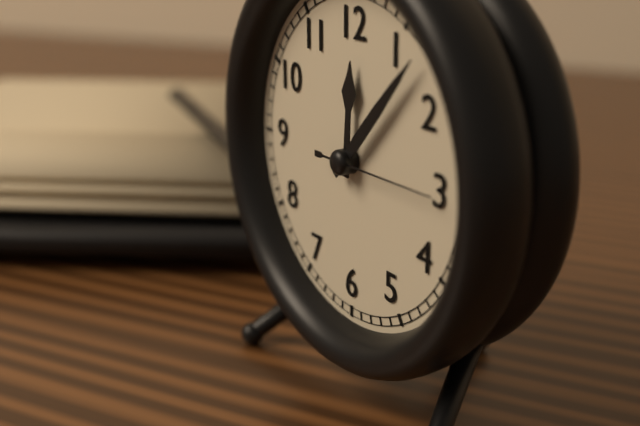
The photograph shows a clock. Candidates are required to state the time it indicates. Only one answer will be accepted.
12:07:15
